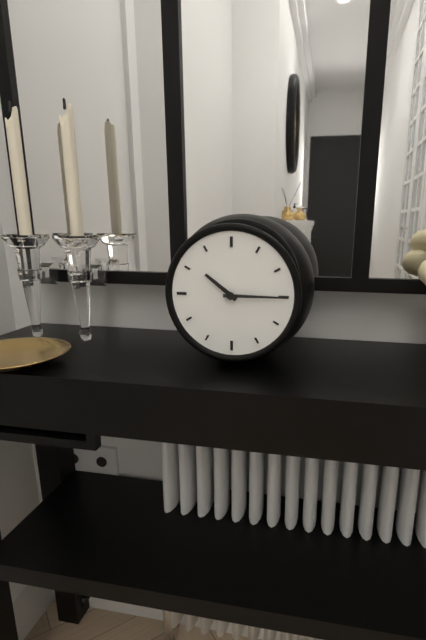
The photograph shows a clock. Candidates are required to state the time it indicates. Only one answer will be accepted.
10:15
